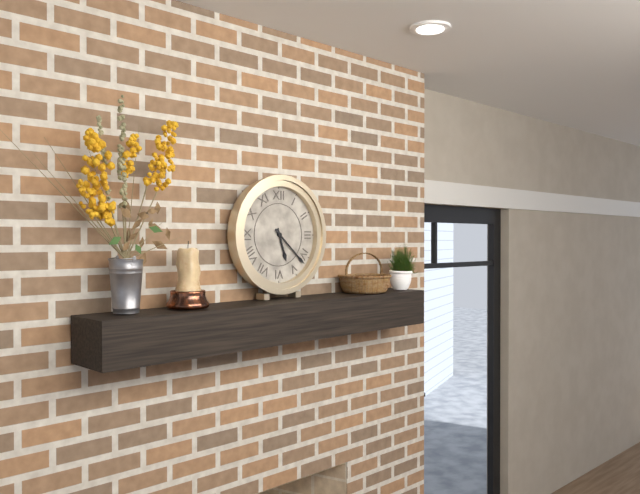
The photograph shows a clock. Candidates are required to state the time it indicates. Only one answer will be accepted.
5:22
